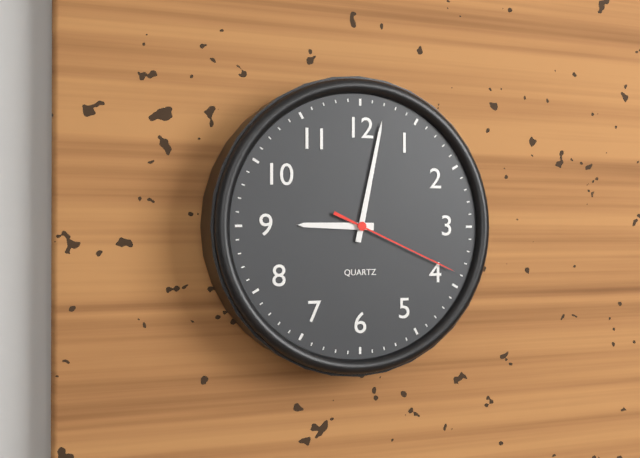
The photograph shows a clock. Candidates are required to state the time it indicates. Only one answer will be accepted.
9:02:19
